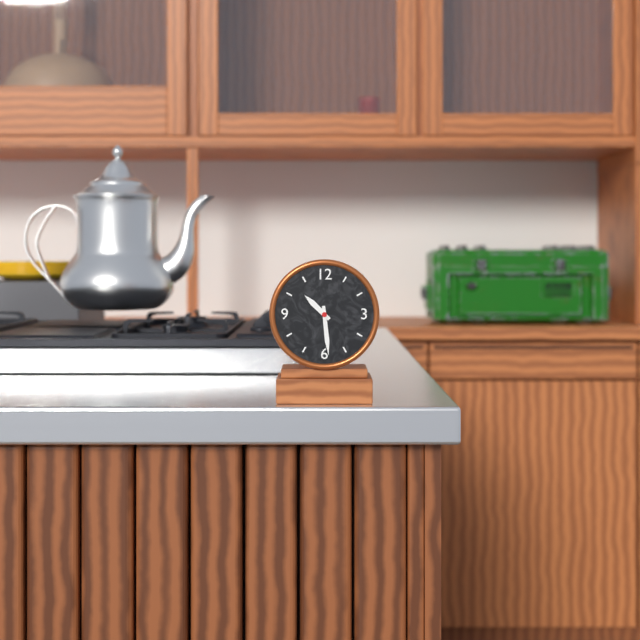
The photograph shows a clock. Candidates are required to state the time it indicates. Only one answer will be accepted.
10:29
